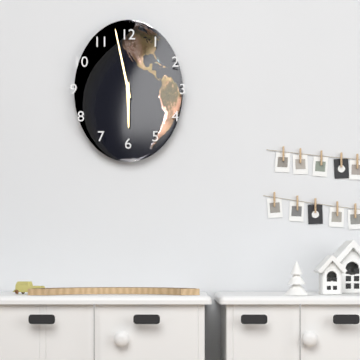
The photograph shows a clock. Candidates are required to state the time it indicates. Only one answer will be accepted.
5:58
